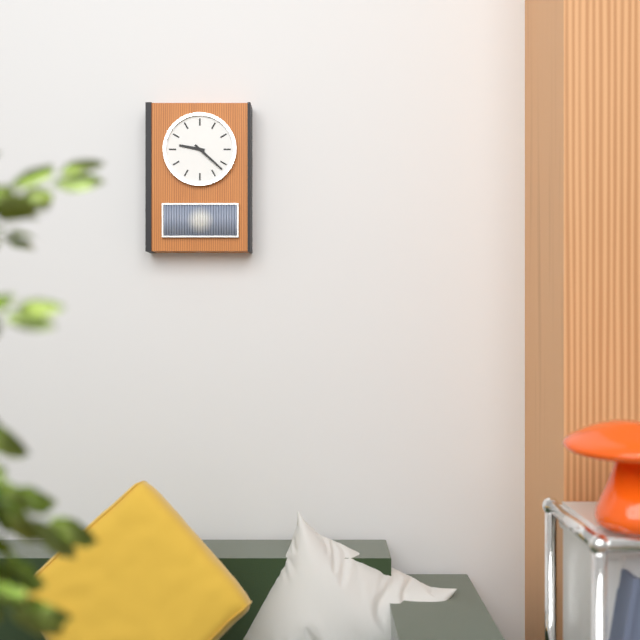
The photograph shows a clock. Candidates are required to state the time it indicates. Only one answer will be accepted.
9:22
